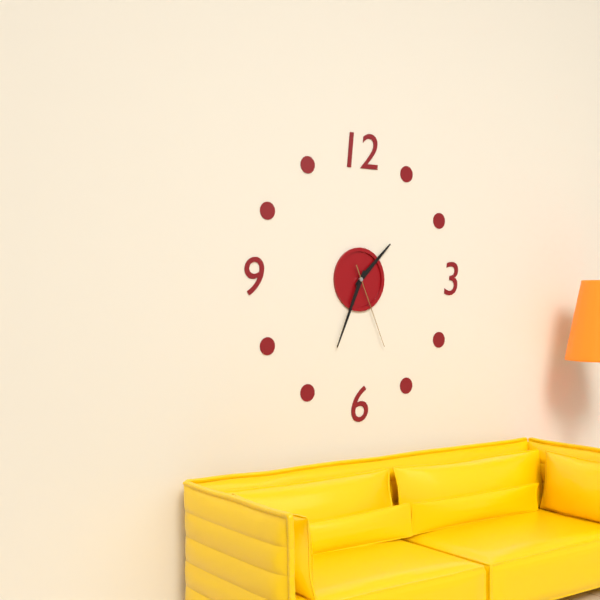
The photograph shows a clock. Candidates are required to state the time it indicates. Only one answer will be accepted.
1:34:26
